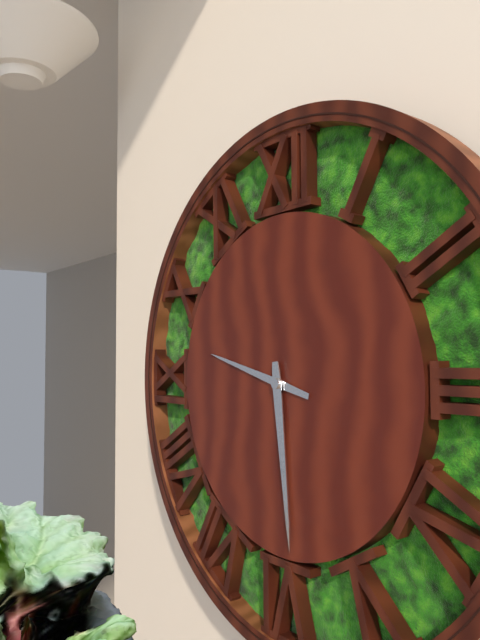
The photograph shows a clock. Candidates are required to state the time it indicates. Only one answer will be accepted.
9:29
